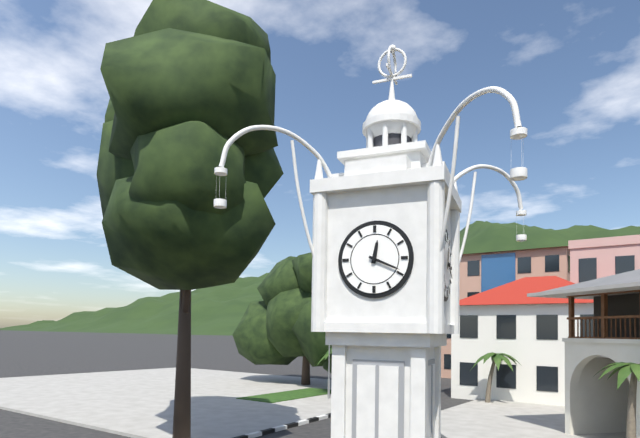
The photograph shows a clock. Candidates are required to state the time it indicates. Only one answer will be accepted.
12:19
